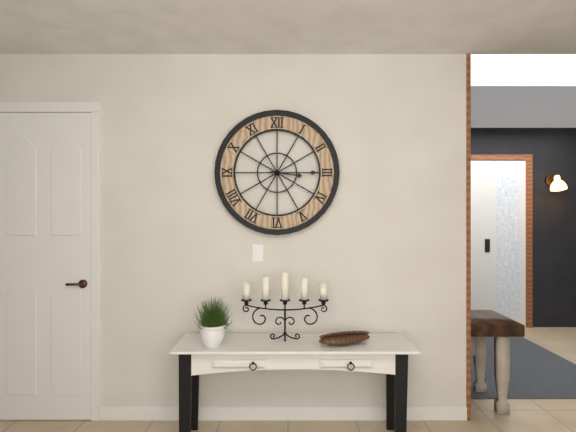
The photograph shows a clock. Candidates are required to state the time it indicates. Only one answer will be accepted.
3:15
